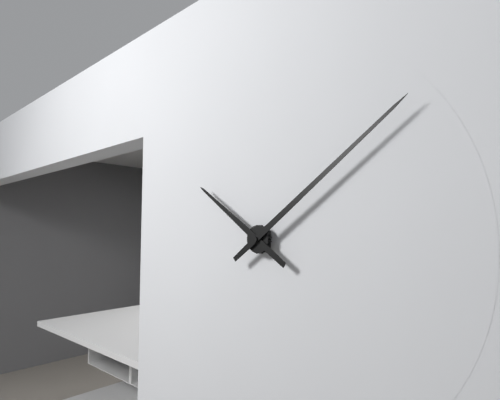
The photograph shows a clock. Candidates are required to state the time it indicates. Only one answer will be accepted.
10:09
